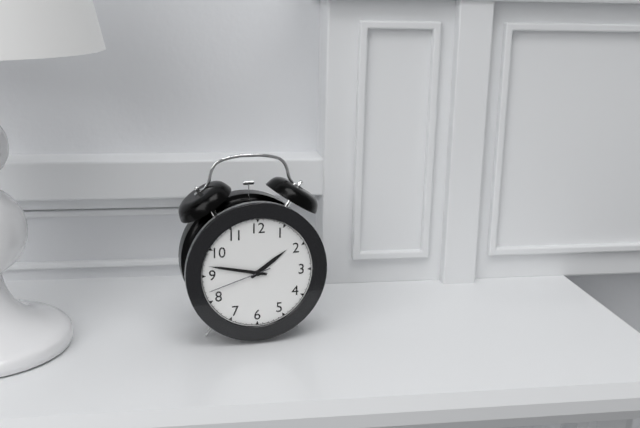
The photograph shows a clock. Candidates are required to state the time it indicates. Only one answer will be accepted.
1:47:42
